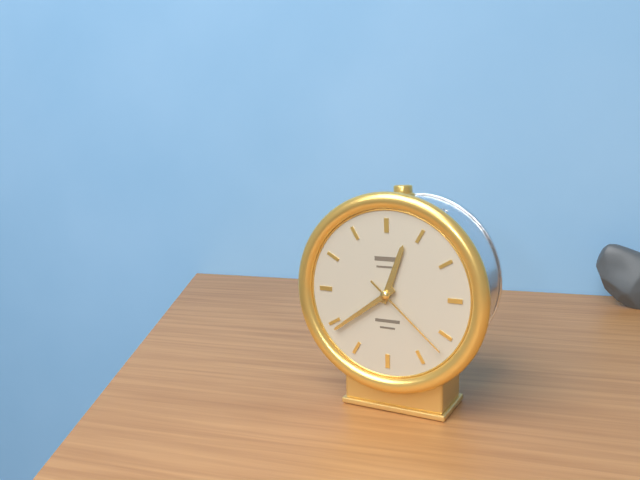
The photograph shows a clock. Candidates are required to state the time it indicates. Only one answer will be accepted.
12:39:22
